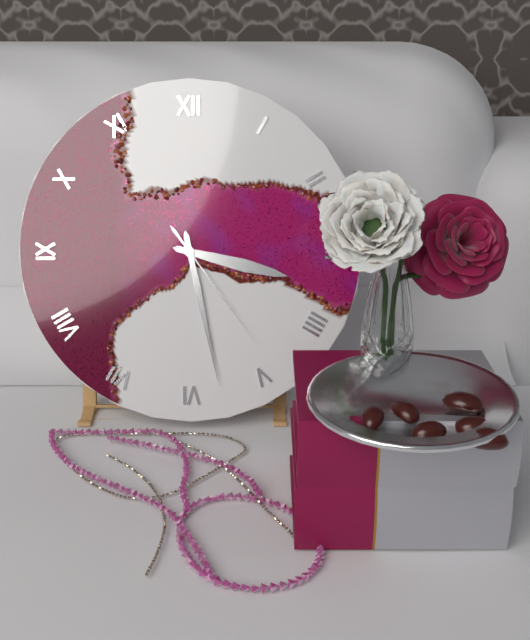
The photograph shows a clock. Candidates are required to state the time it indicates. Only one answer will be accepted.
3:28:24
